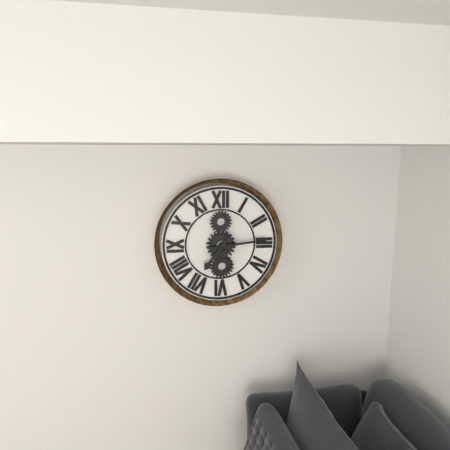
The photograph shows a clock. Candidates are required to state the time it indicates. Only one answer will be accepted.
7:14
